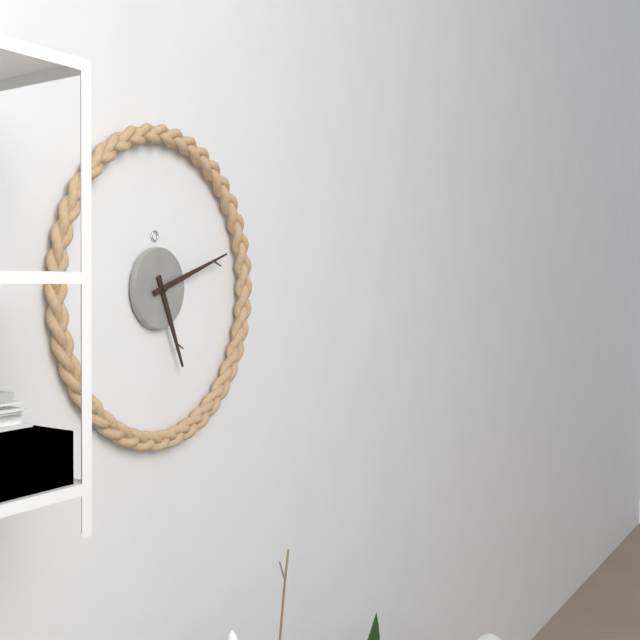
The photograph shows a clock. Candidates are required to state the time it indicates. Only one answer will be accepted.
5:12
